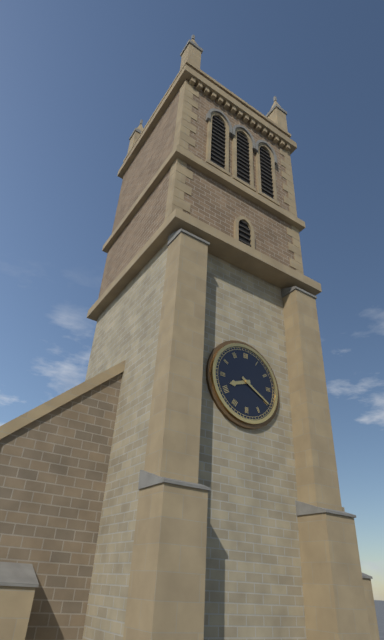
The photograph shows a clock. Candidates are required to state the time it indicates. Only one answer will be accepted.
8:20
